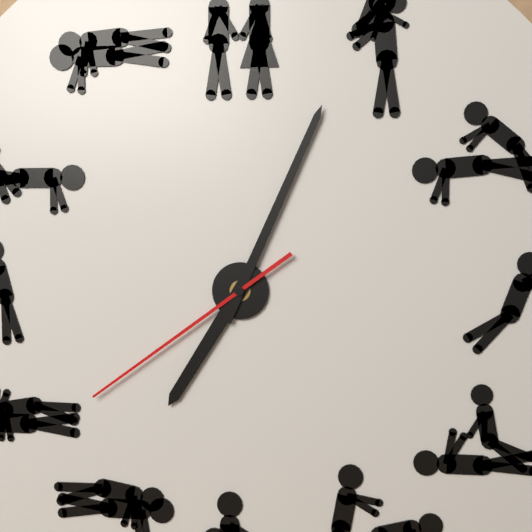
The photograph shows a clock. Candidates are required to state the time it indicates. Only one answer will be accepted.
7:04:39
